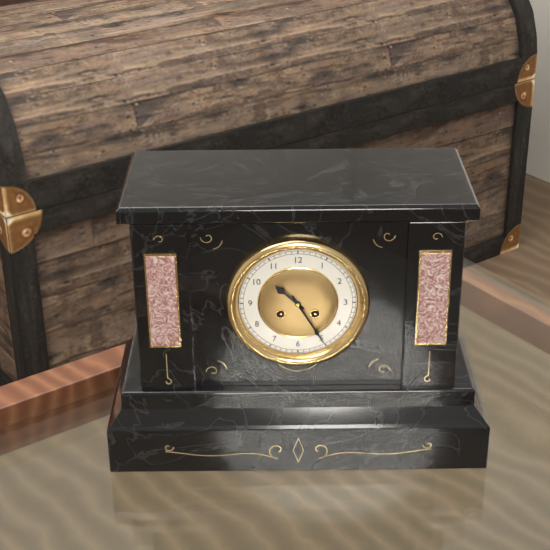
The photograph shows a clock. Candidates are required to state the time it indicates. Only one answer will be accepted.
10:25
